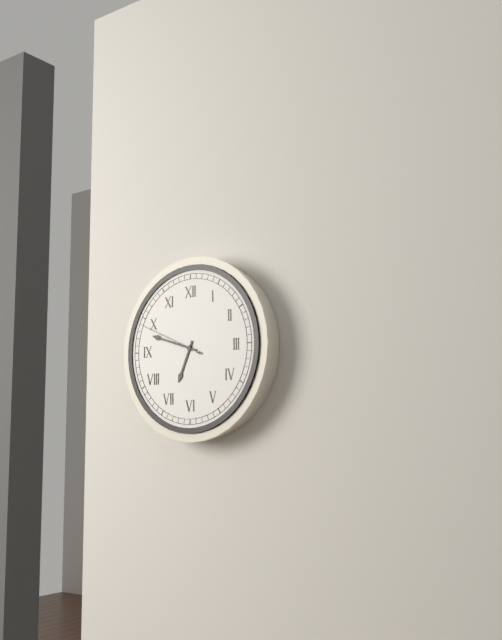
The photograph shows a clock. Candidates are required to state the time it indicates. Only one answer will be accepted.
6:48:49
